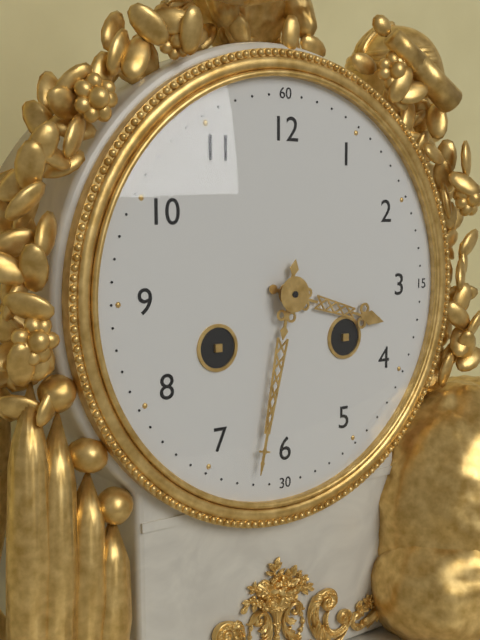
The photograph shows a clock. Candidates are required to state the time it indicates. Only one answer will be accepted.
3:32
